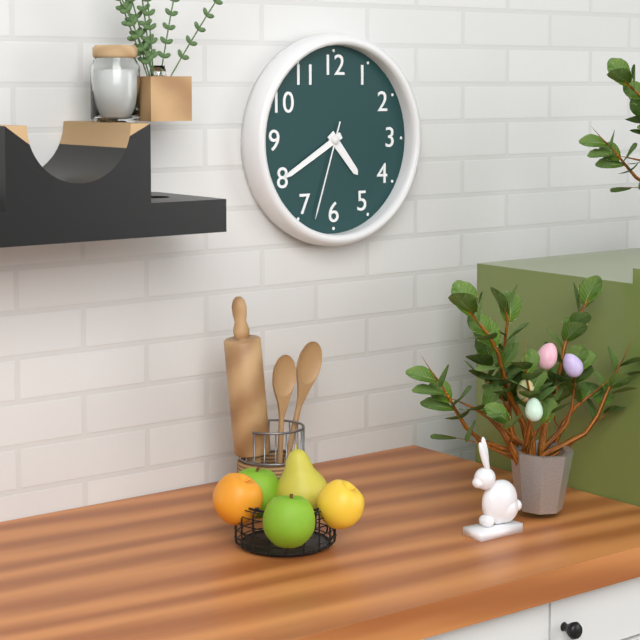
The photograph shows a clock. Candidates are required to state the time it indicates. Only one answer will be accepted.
4:40:33
